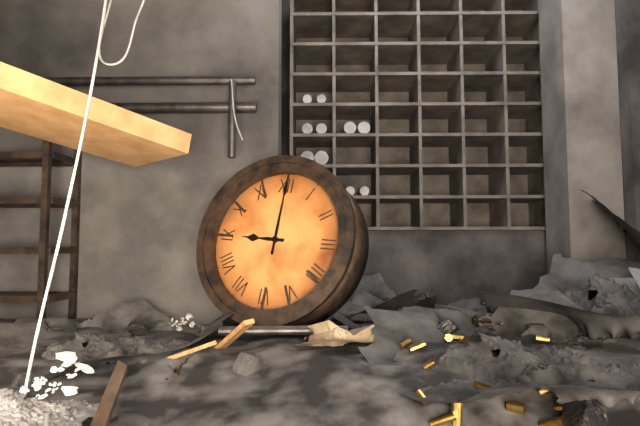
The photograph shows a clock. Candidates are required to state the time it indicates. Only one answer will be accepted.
9:00
